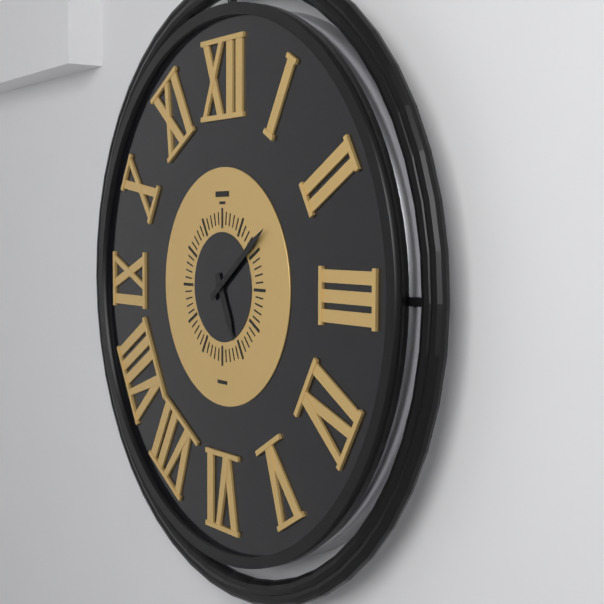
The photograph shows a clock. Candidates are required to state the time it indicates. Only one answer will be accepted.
5:09
